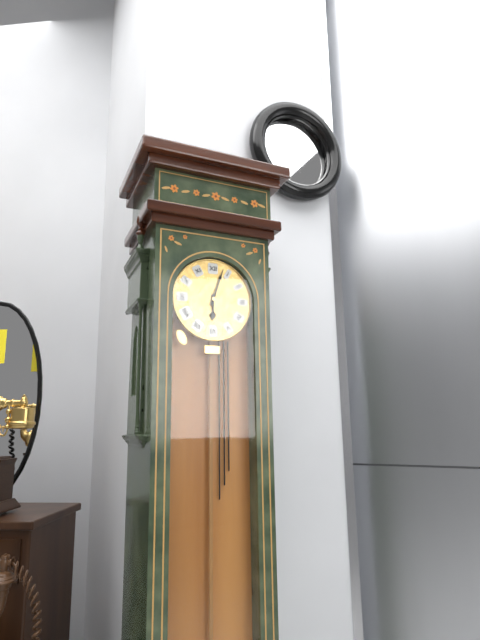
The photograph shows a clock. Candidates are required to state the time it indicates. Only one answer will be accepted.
6:03
